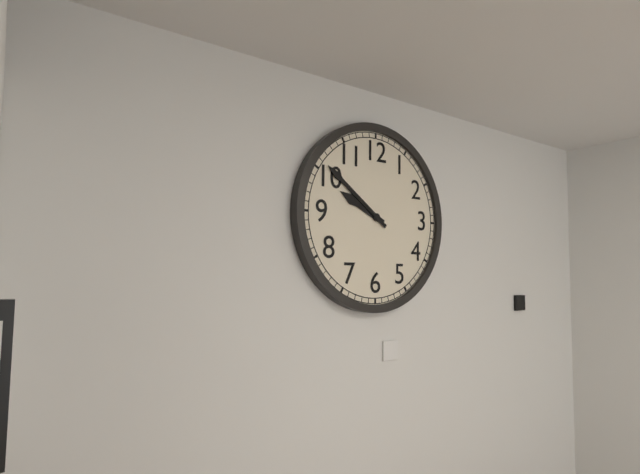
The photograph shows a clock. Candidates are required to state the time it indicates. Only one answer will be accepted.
9:51
